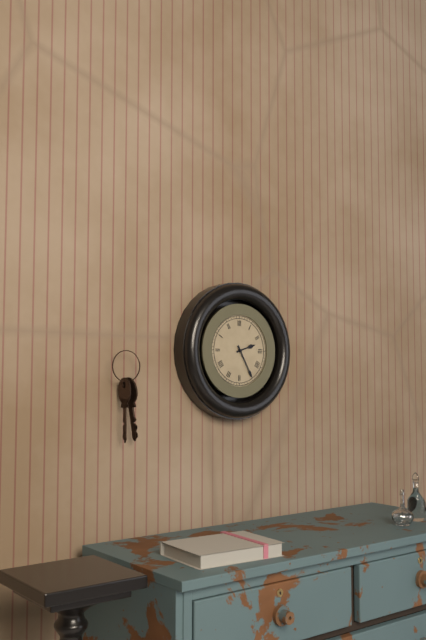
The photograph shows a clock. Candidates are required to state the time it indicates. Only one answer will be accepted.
2:25
